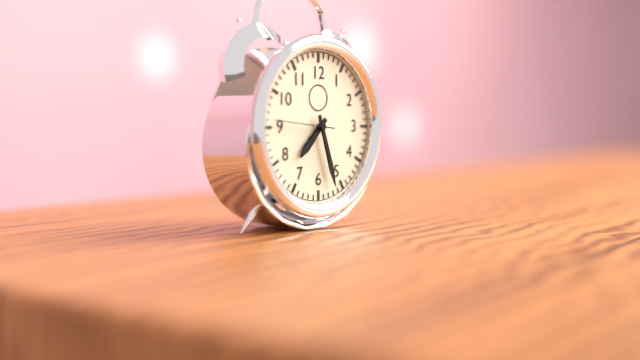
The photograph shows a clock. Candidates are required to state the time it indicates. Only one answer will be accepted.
7:27:46
